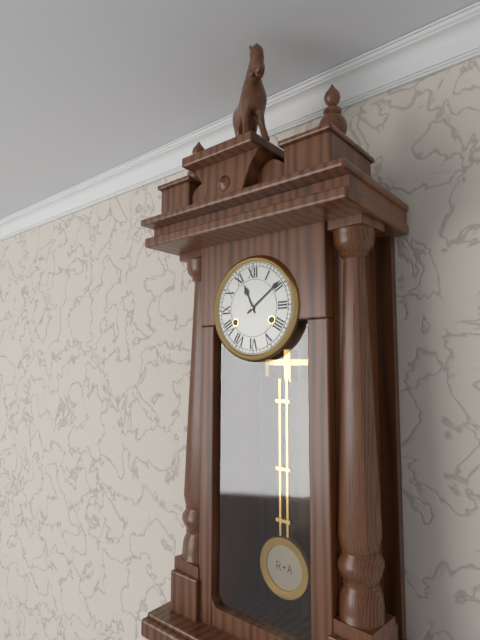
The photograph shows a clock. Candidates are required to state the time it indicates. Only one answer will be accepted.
11:09
